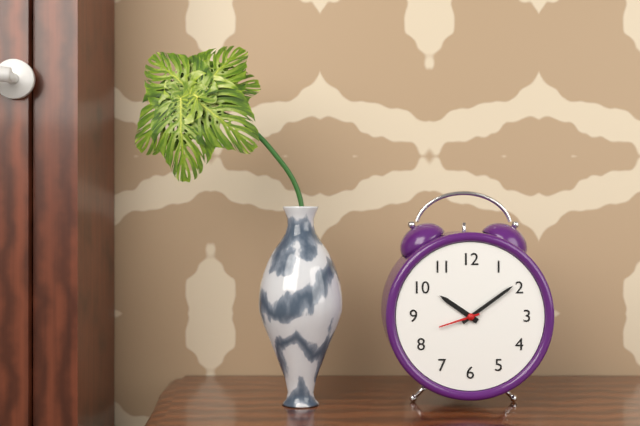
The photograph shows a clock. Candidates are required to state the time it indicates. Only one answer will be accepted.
10:09
